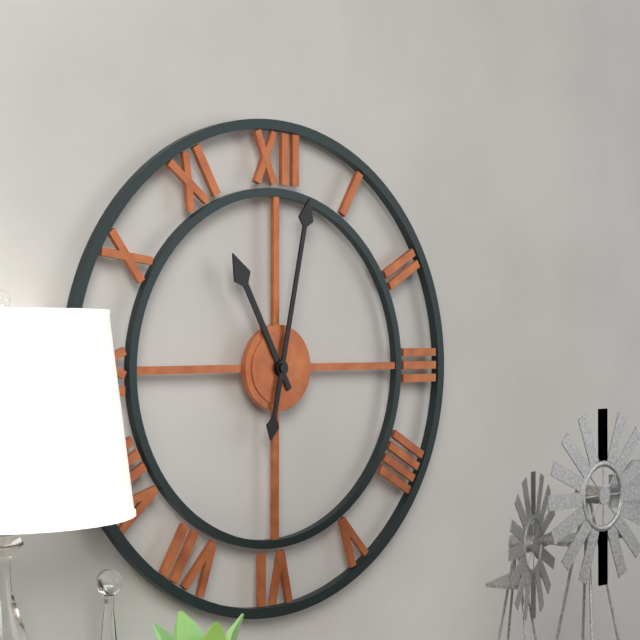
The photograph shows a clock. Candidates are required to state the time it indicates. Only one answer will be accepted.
11:02
